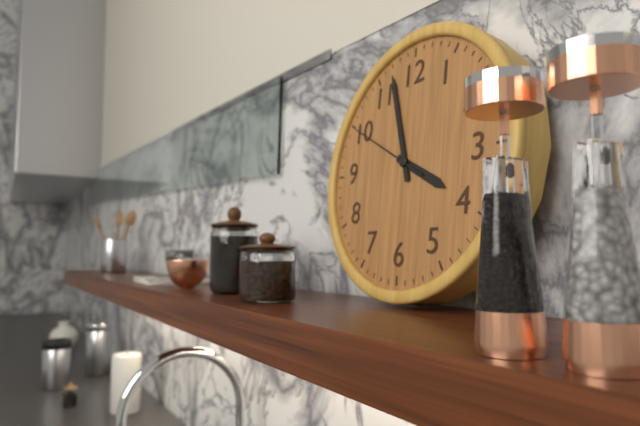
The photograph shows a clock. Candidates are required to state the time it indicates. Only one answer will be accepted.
3:57:50
